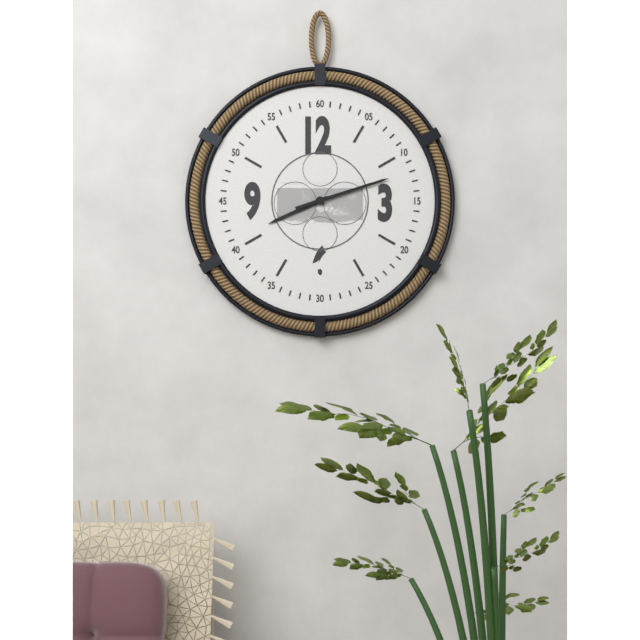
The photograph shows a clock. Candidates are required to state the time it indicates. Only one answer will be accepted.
8:12
